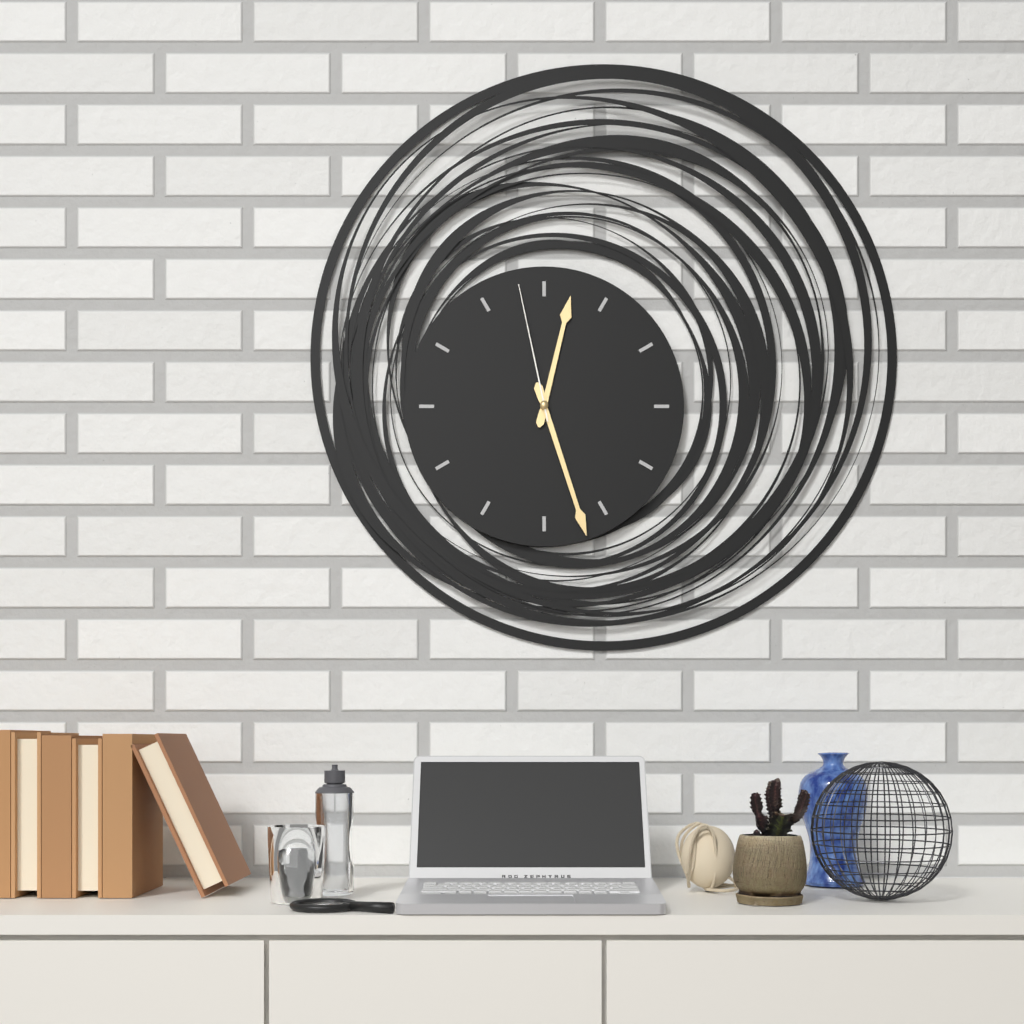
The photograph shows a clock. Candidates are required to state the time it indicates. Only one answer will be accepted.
12:27:58
